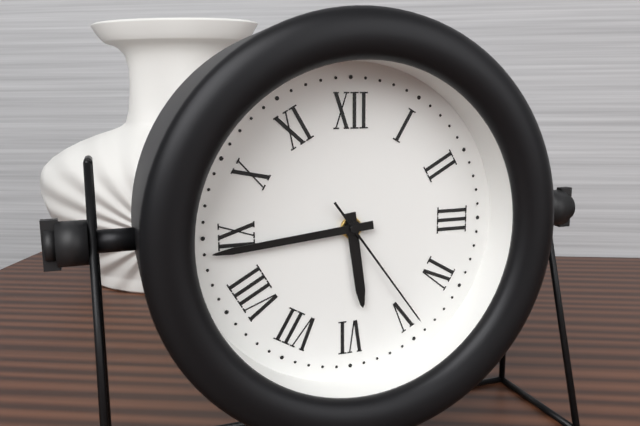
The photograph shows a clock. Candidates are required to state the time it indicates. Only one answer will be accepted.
5:44:24
